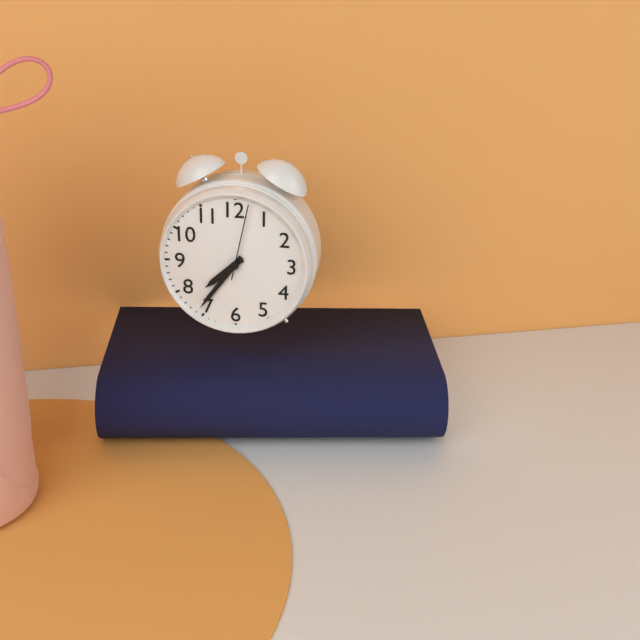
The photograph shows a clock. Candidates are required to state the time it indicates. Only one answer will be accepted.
7:36:02
